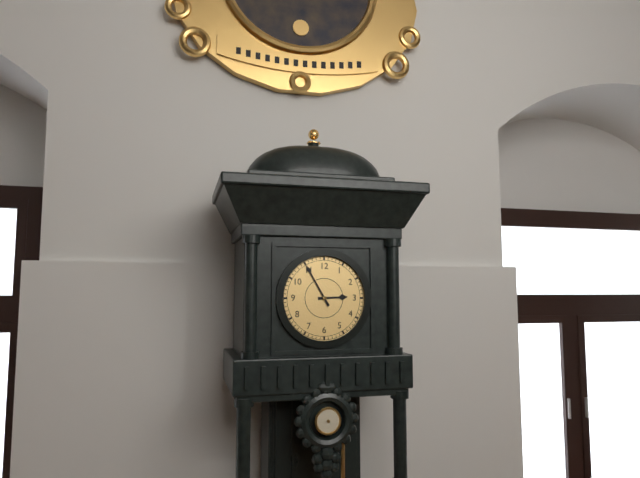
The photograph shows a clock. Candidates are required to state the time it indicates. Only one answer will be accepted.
2:55
